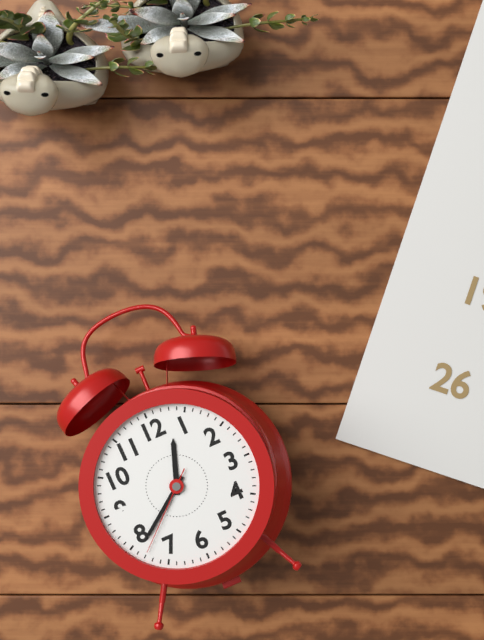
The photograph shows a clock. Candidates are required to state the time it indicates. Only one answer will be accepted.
12:39:38
